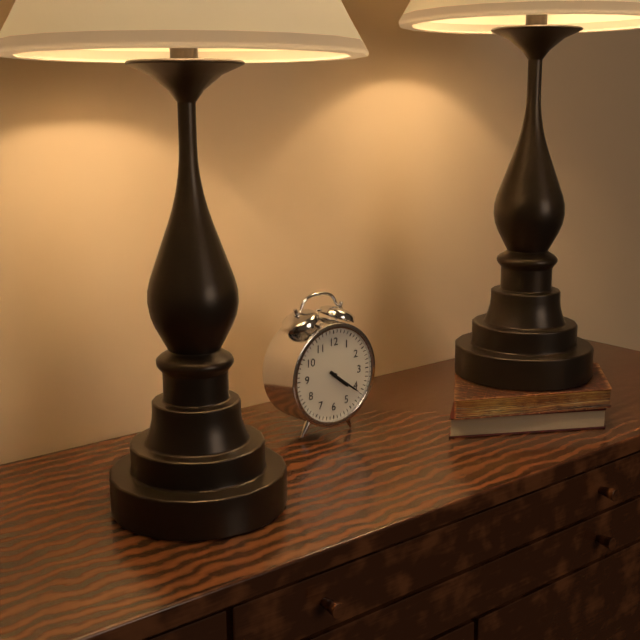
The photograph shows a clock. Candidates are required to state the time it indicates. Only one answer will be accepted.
4:21
